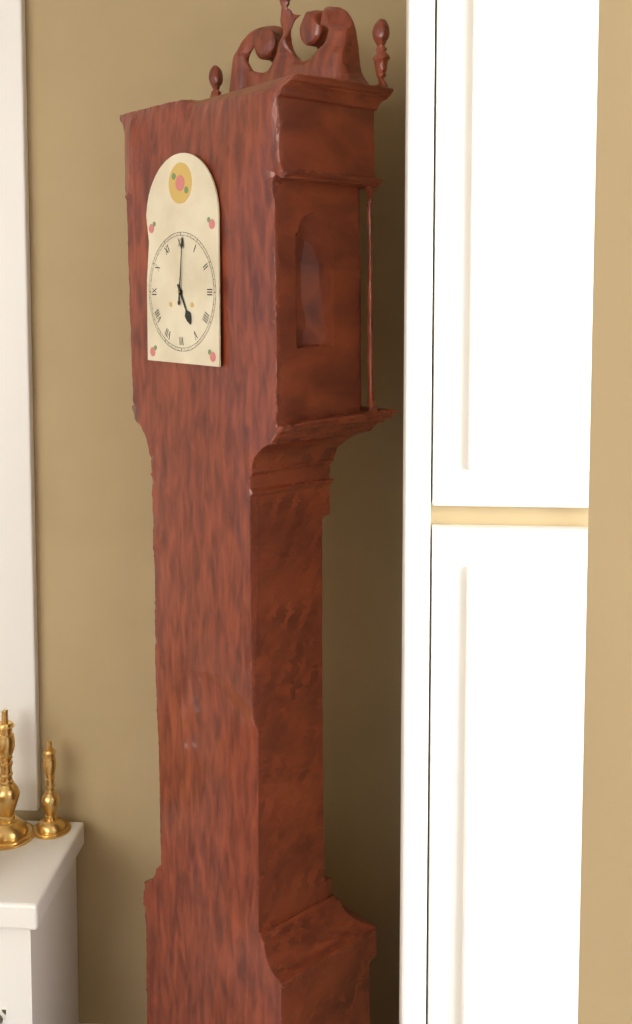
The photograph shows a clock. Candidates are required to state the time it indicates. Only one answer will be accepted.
5:01
